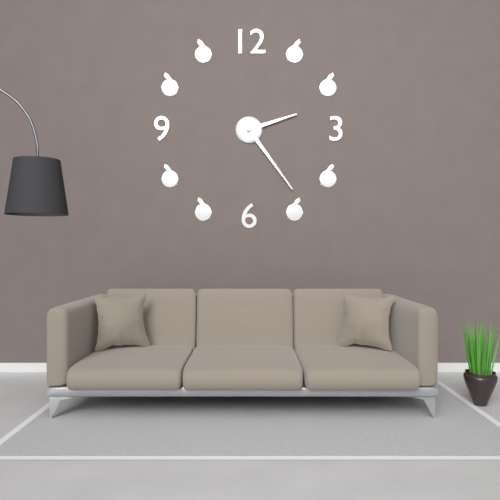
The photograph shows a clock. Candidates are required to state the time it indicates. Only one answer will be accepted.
2:24
